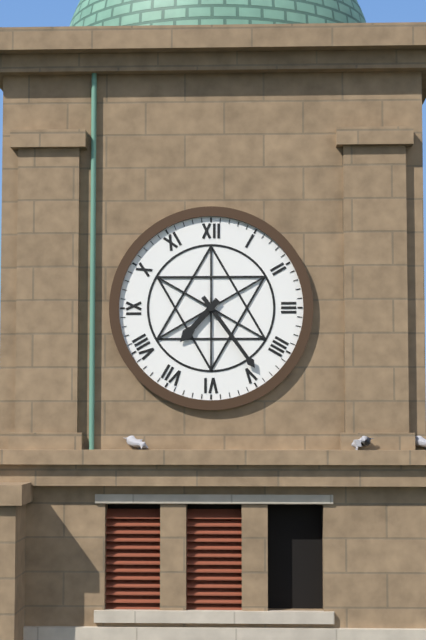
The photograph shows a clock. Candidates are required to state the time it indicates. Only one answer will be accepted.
7:24
